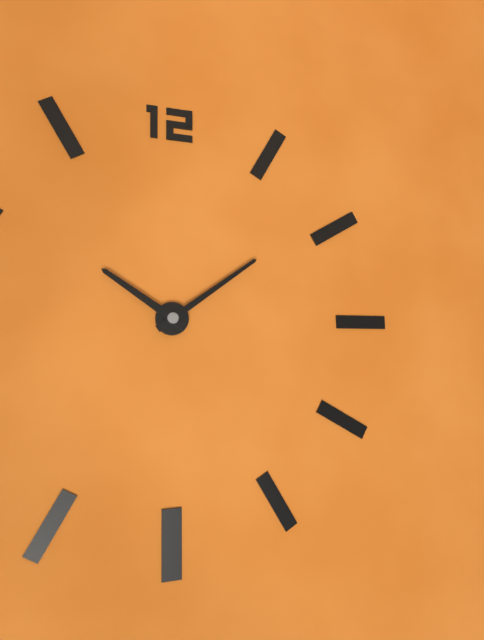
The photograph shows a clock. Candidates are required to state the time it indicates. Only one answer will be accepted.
10:09
